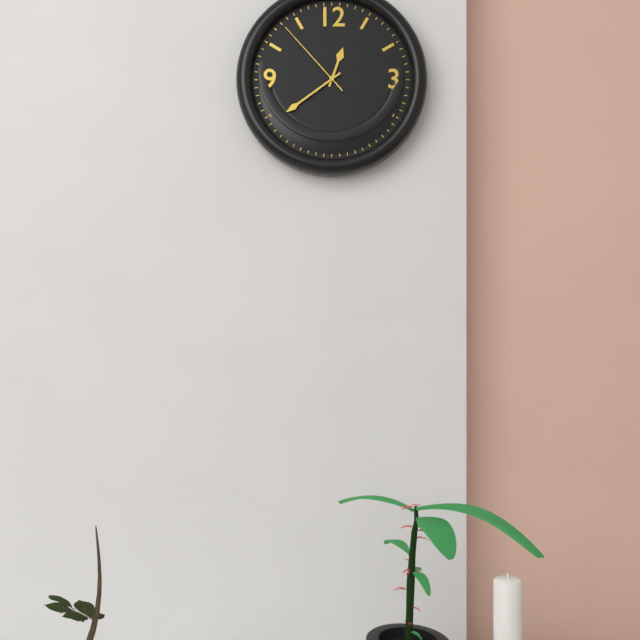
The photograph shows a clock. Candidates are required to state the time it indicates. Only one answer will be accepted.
12:39:53
